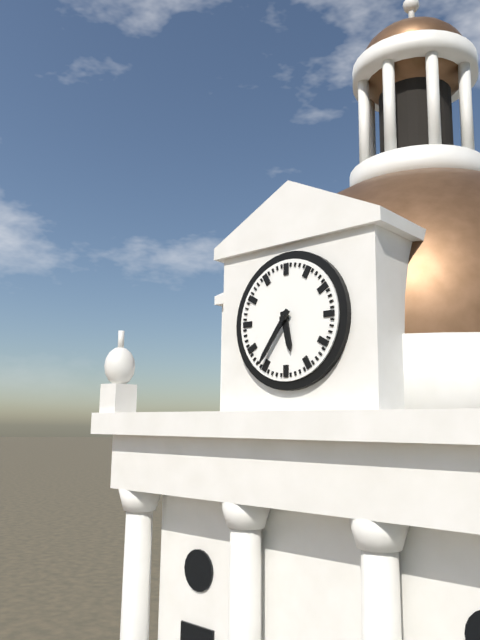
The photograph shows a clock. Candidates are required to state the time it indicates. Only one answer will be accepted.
5:36
